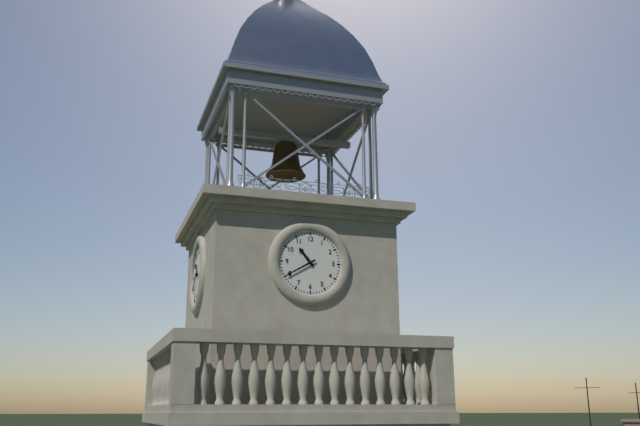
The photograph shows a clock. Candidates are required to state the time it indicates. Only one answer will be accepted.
10:40
